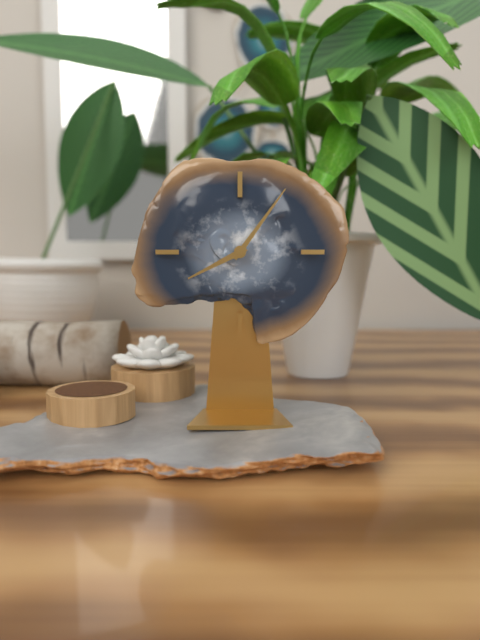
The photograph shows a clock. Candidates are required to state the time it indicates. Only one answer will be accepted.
8:06
